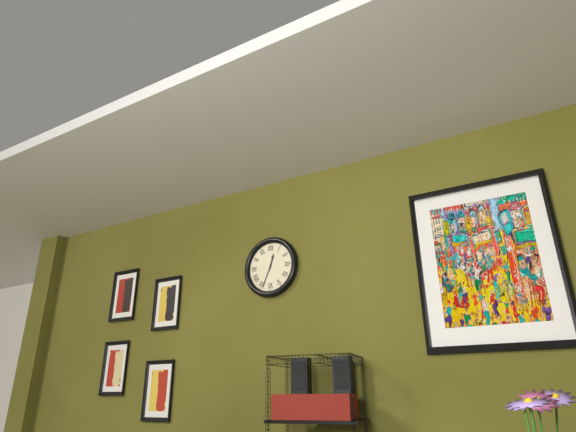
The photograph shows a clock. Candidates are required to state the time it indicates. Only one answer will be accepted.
12:34
